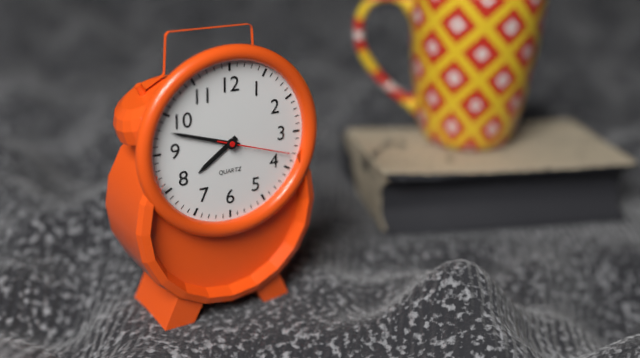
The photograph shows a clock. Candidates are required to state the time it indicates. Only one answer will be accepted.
7:48:18
